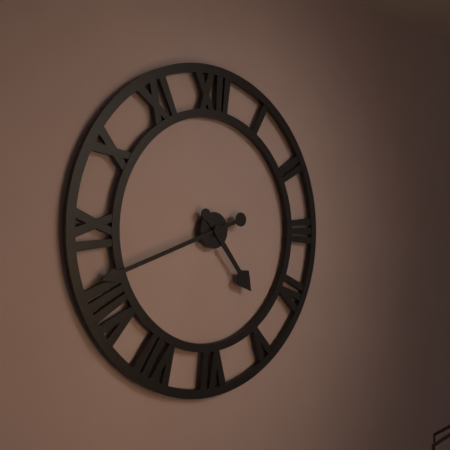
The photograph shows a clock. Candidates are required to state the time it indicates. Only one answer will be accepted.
4:42
